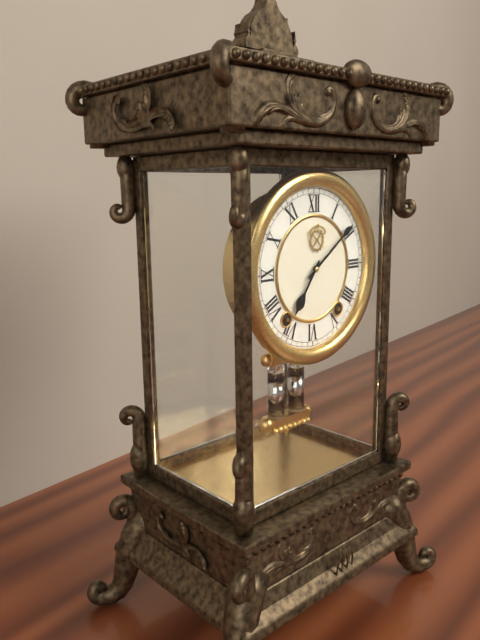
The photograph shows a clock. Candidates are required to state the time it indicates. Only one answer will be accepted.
7:09
